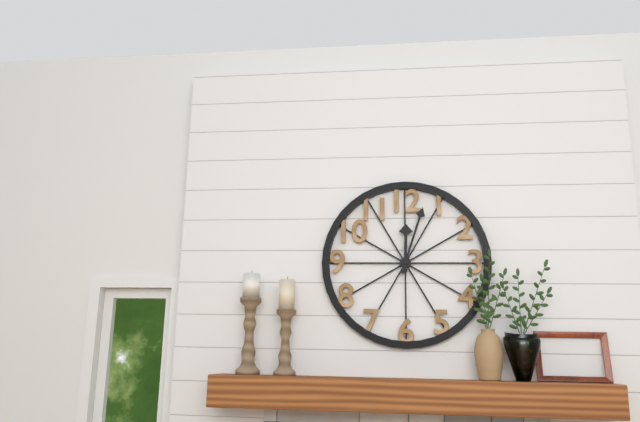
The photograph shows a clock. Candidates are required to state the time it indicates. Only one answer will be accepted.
12:03
